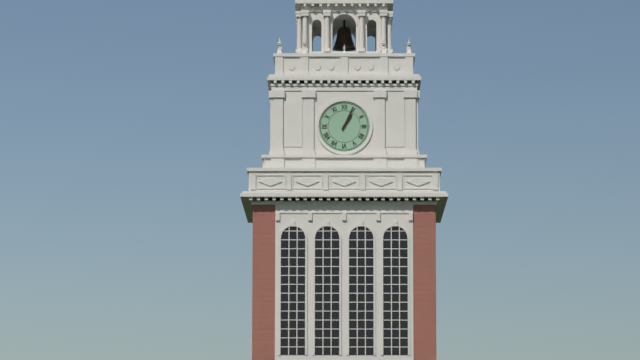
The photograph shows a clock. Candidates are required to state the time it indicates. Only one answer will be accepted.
1:04
